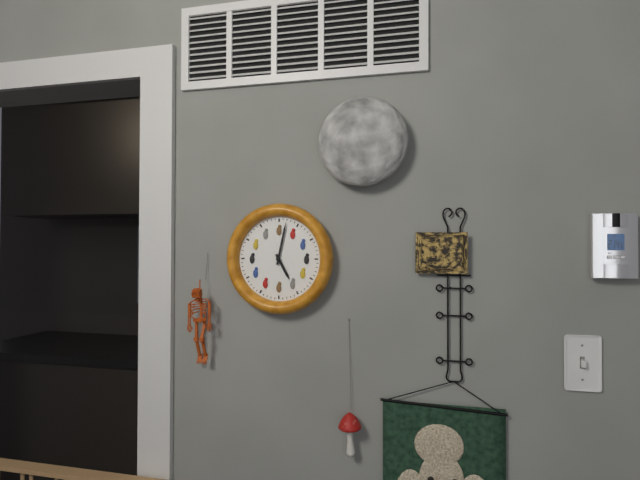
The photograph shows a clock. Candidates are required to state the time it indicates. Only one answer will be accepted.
5:02
